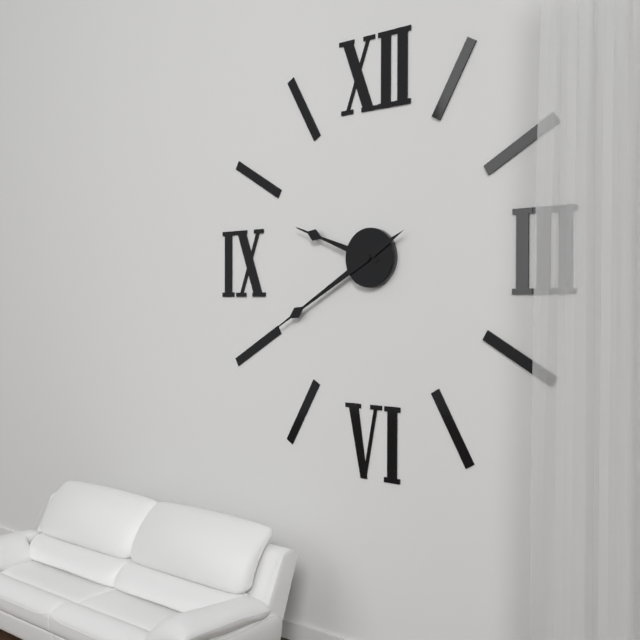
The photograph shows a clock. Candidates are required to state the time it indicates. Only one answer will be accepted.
9:40
